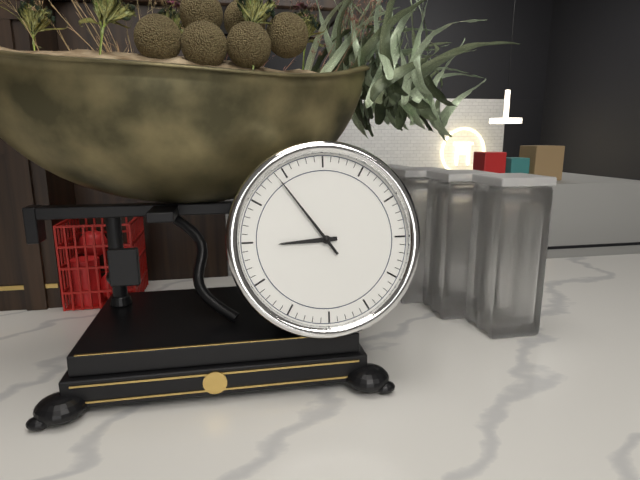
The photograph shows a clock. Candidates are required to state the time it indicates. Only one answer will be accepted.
8:54
